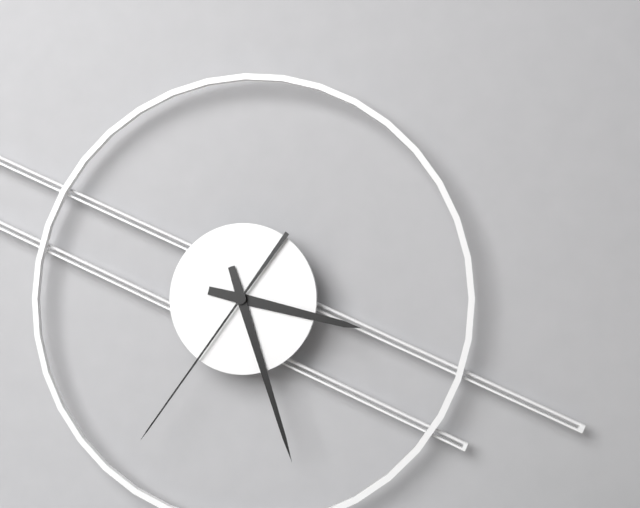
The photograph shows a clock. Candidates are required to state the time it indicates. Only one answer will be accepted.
3:27:36
